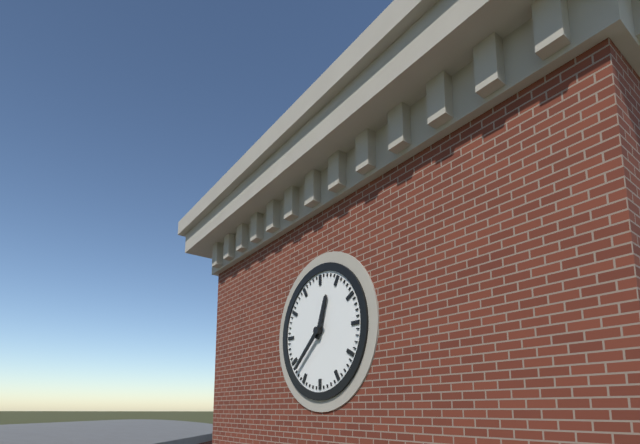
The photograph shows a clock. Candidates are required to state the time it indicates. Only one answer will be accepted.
12:38
